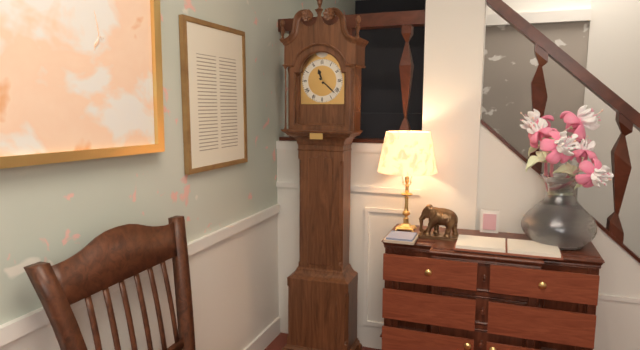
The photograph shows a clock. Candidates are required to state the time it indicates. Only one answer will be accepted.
11:22
